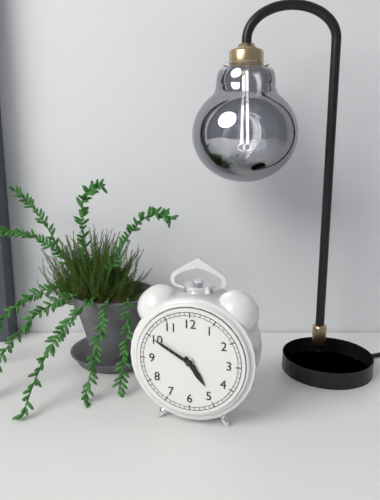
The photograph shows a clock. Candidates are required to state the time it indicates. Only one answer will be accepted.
4:50
